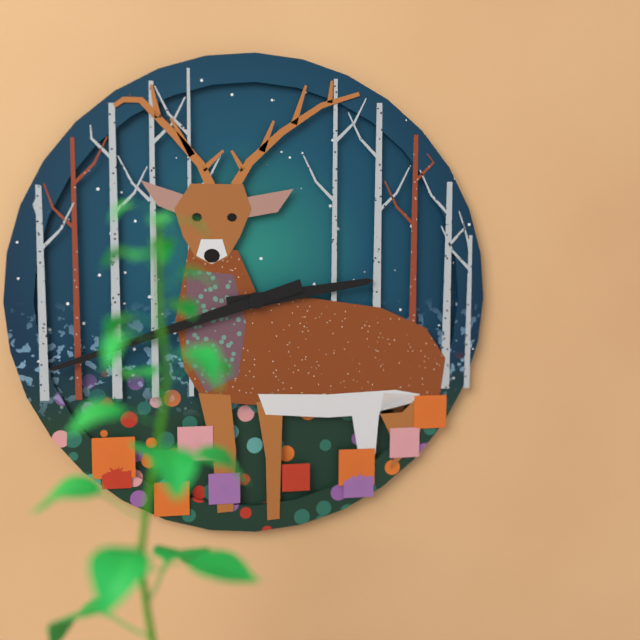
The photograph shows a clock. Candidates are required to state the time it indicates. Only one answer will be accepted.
2:42
